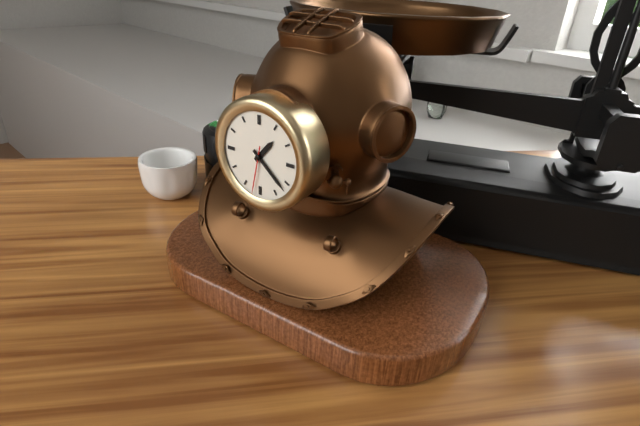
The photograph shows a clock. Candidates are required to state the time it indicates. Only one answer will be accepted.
1:22
